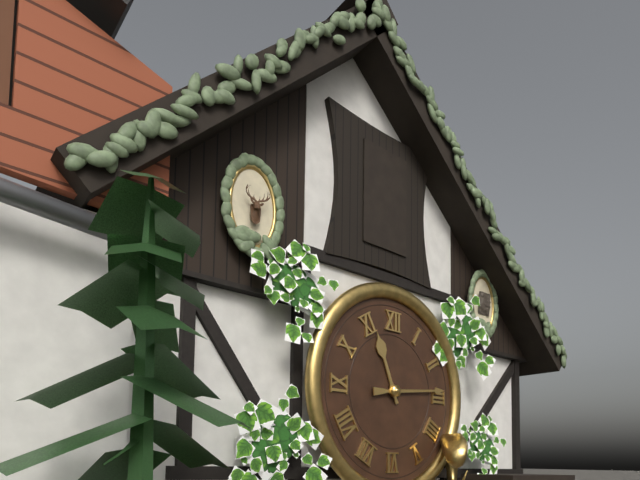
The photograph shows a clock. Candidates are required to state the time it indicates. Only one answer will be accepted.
11:14
